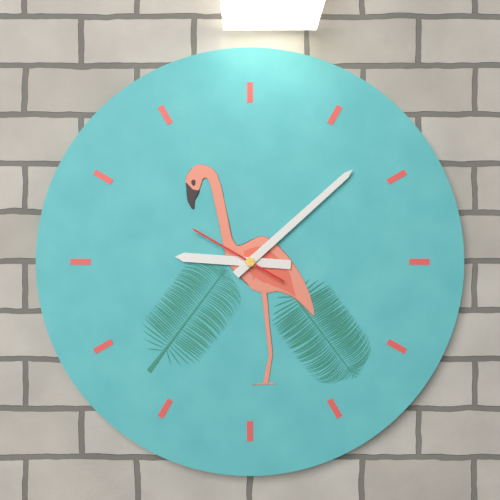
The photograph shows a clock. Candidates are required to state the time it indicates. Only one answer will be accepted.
9:08:50
